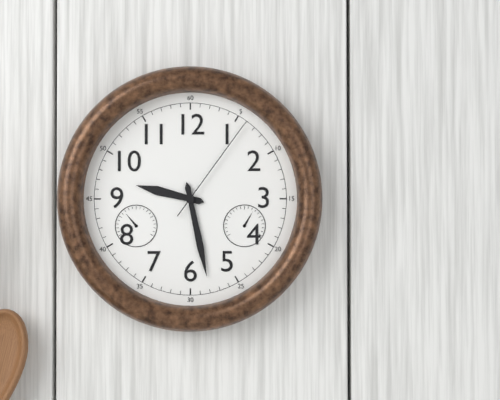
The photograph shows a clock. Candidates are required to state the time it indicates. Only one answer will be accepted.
9:28:06
